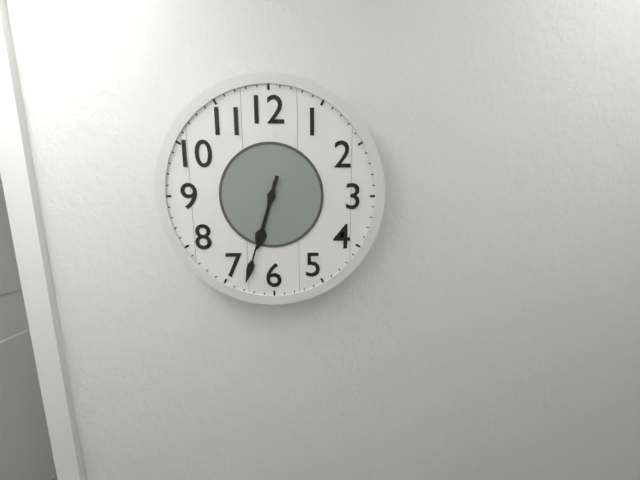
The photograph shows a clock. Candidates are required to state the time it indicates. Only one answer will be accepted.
6:33
